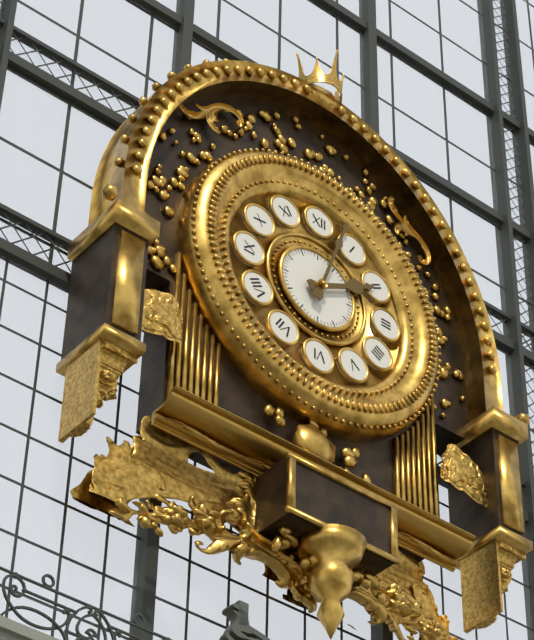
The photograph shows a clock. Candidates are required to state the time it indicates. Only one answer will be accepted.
2:03
